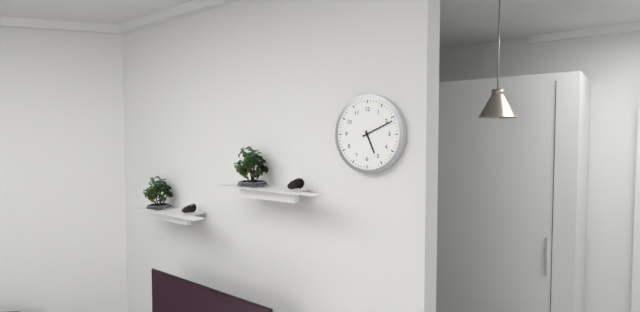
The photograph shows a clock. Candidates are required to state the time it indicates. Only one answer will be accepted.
5:11
